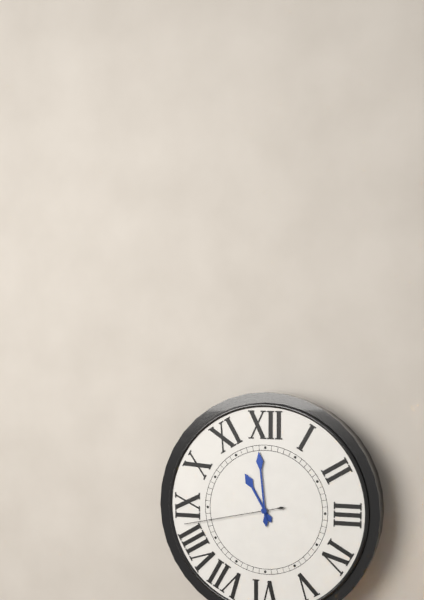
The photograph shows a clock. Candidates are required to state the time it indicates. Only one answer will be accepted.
10:59:43
